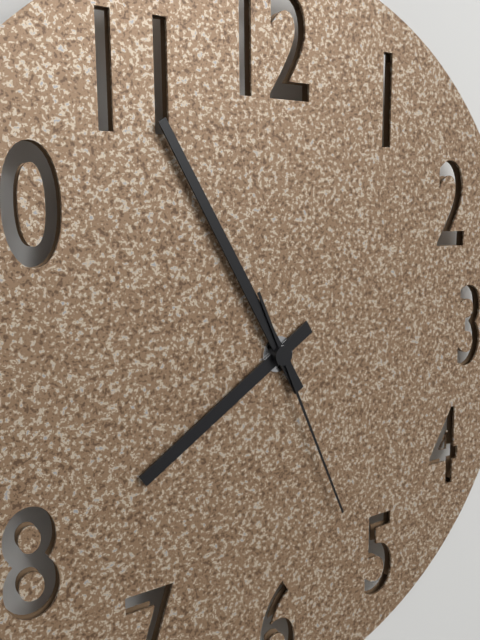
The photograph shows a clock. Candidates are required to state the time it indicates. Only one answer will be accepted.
7:55:26
